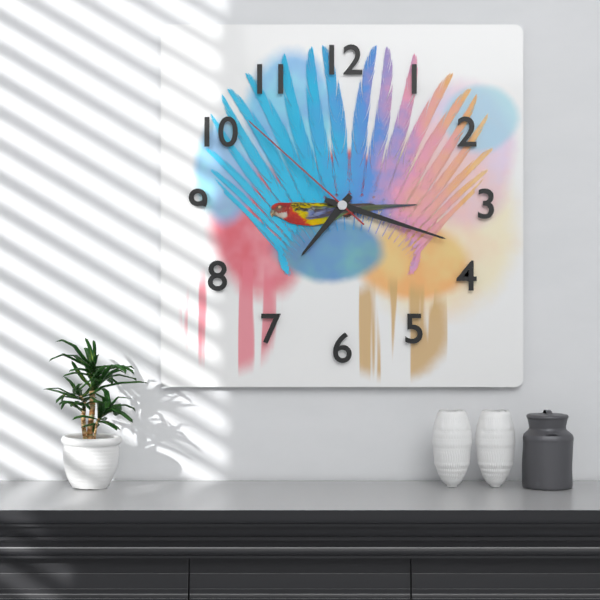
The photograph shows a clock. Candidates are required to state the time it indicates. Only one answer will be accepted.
7:18:52
